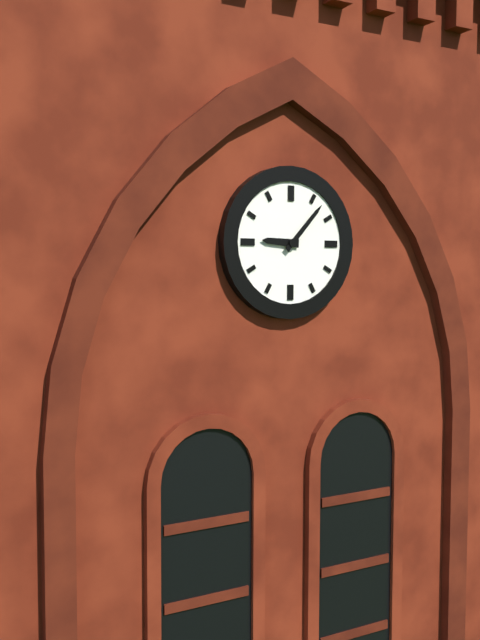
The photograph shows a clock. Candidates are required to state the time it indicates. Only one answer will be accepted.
9:07
